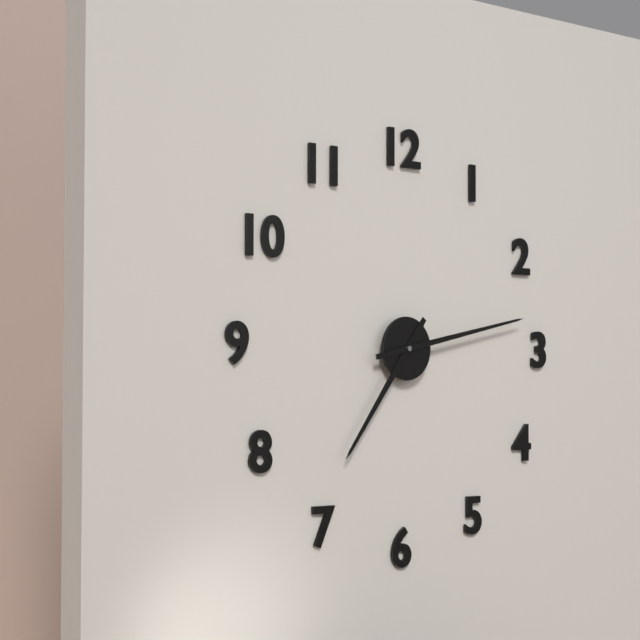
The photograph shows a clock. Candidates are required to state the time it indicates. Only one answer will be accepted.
7:13
